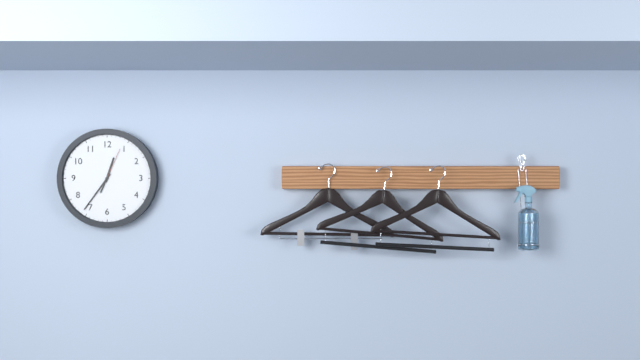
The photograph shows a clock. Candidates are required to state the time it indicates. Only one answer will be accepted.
12:36
